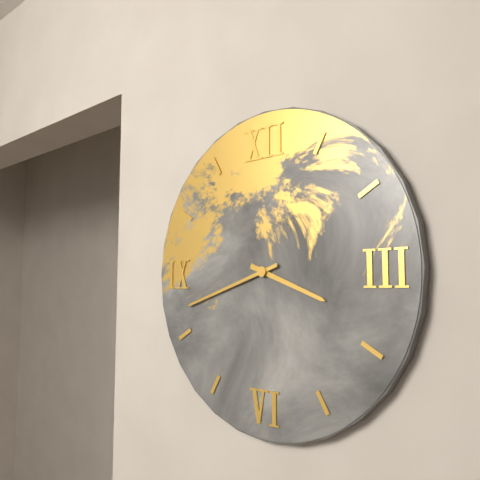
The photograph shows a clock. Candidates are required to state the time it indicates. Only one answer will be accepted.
3:42
